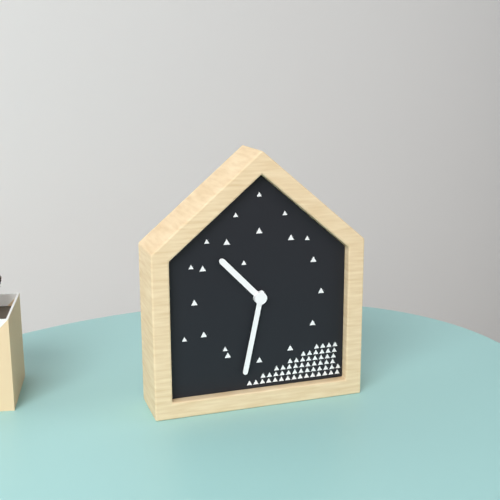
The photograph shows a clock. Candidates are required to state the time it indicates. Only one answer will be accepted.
10:32
